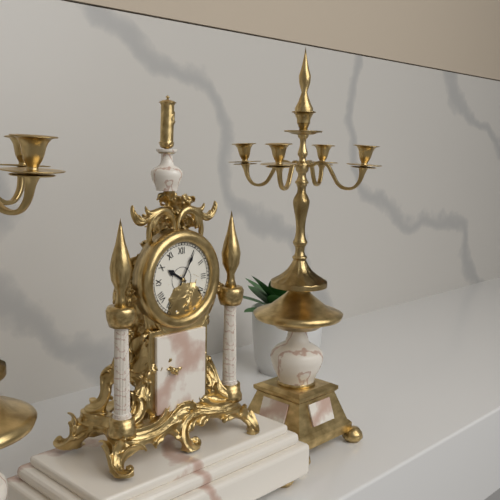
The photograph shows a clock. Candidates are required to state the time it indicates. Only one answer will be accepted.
10:05
